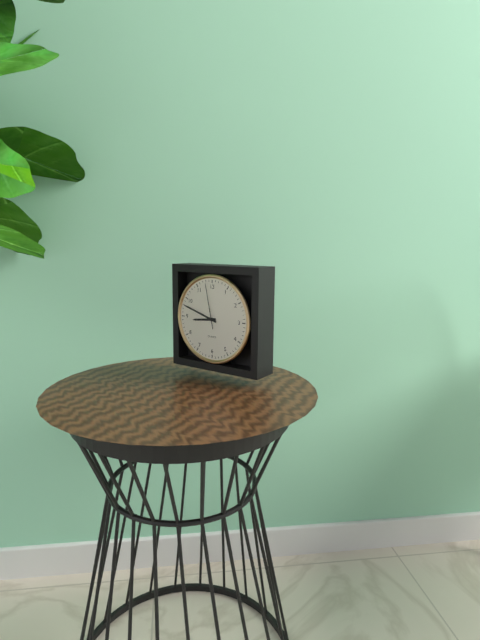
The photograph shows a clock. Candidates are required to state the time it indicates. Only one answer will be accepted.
8:48
